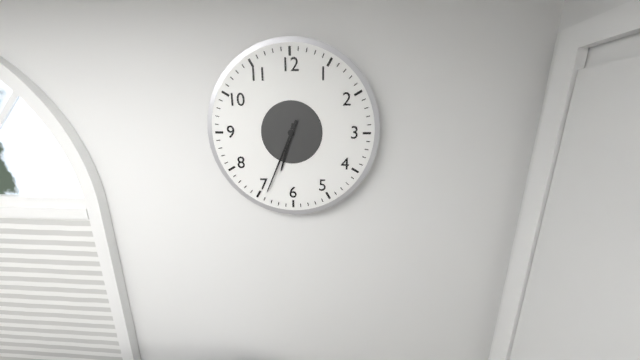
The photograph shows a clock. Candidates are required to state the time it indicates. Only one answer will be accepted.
6:34
